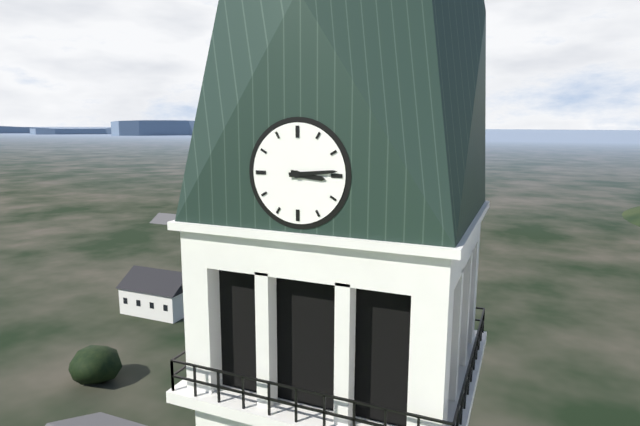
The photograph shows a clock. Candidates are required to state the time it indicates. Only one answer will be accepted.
3:14
